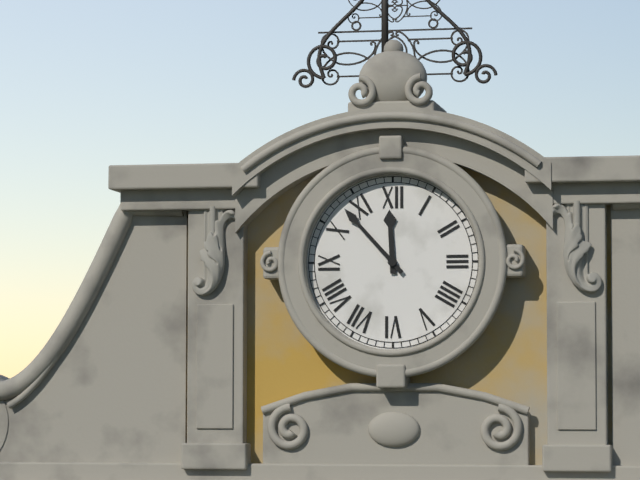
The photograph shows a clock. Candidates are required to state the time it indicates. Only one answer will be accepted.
11:53
